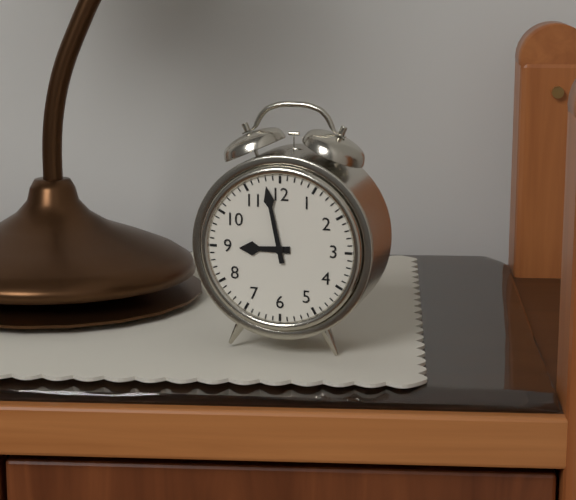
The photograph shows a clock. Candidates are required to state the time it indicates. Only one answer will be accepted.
8:58
